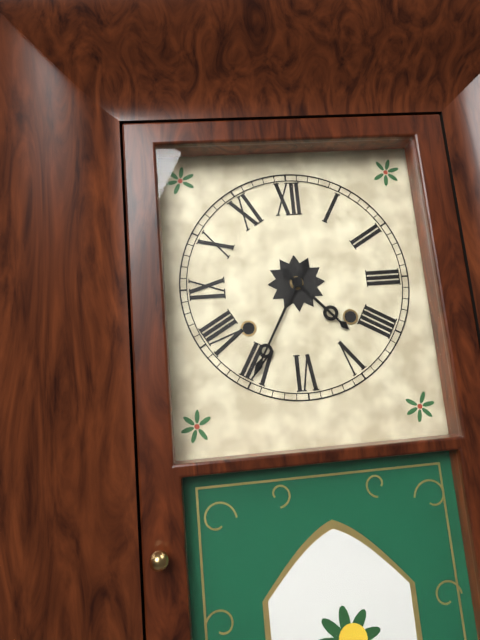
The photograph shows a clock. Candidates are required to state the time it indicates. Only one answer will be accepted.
4:35
